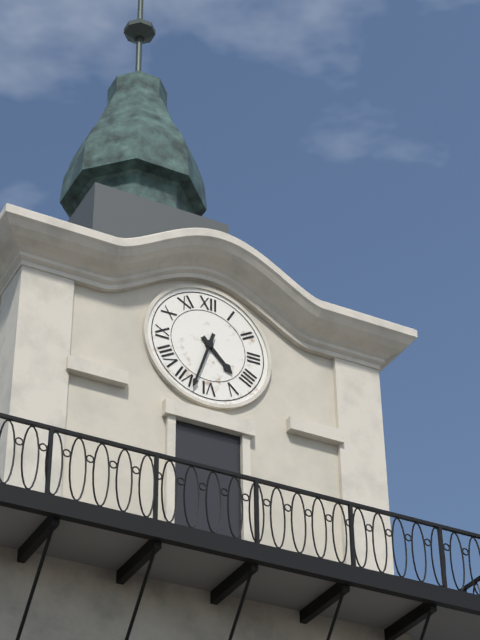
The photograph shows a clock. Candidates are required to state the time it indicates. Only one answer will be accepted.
4:33
